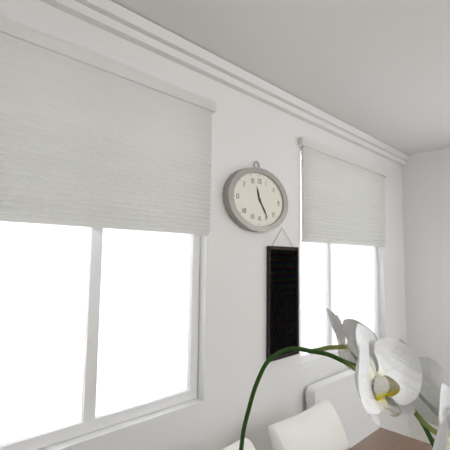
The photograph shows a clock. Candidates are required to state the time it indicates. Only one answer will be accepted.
11:24
